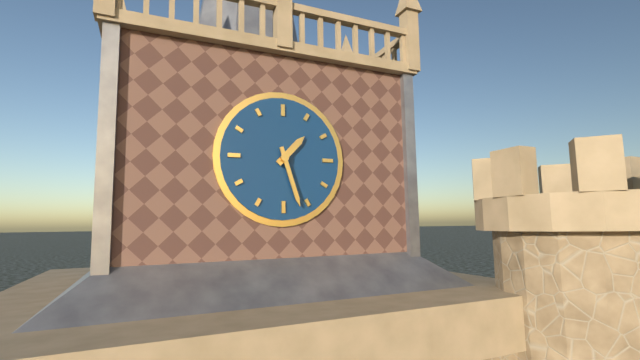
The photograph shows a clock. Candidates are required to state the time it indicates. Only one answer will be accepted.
1:27
